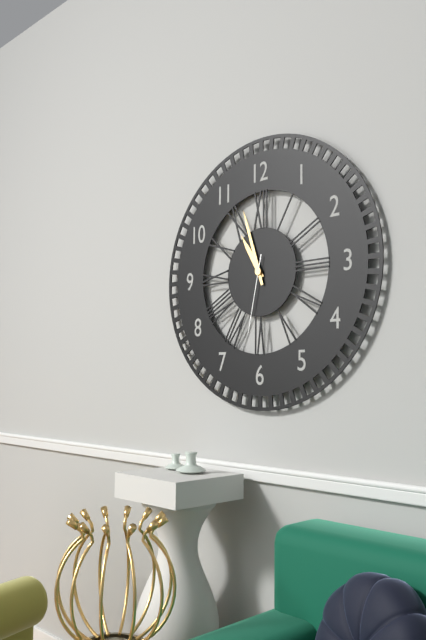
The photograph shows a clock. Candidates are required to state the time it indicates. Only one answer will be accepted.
10:57:32
